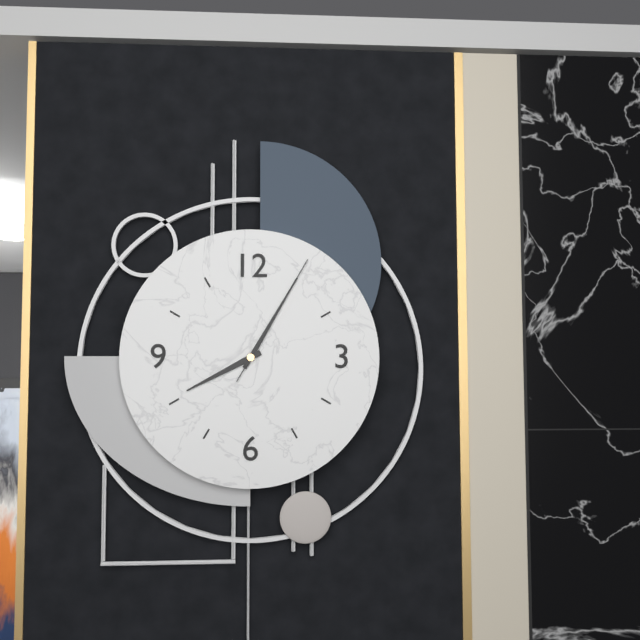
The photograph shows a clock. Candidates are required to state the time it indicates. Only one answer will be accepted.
8:05:05
